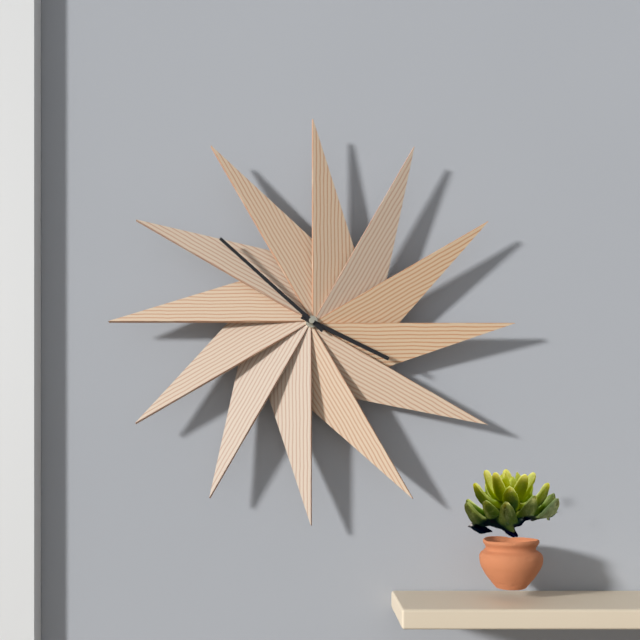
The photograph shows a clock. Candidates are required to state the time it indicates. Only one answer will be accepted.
3:52
